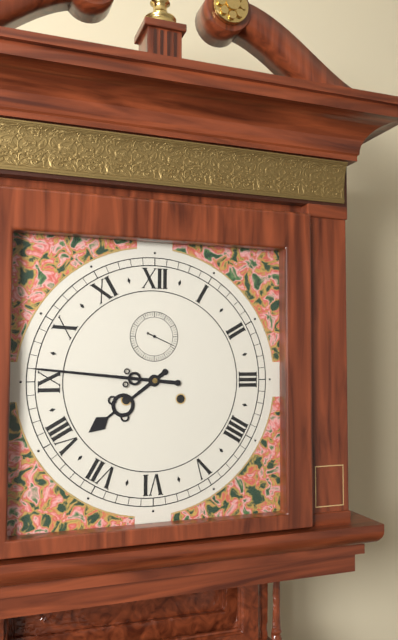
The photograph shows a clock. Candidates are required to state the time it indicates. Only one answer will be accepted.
7:46
